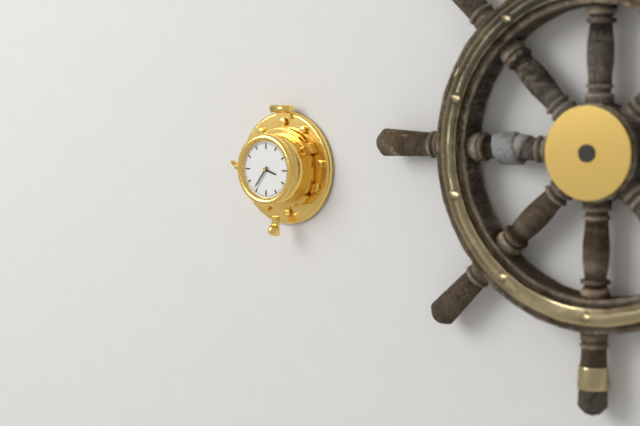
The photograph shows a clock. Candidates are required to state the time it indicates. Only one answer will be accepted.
3:36
